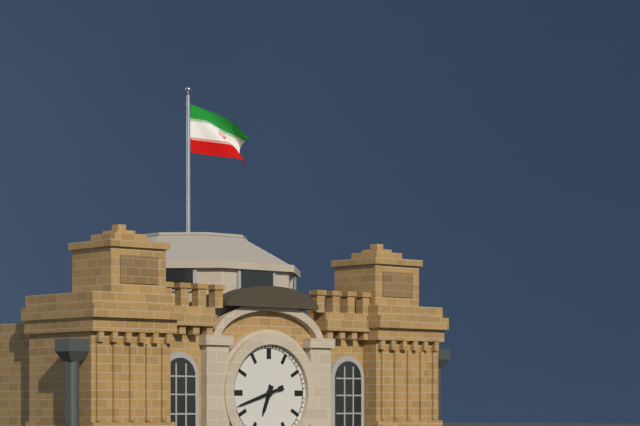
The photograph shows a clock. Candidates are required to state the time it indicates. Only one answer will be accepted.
6:42
